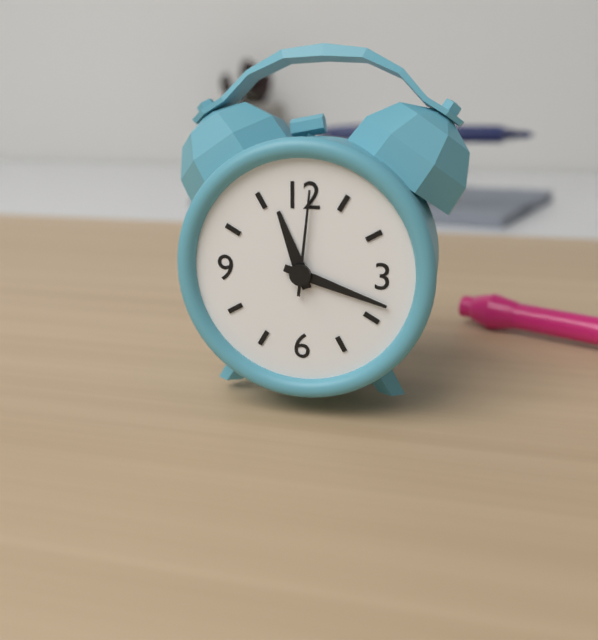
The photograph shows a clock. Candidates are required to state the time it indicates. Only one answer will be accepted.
11:18:01
